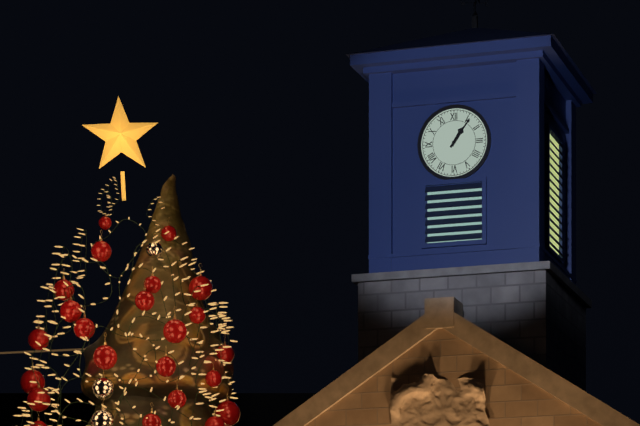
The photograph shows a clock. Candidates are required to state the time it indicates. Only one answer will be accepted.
1:06
